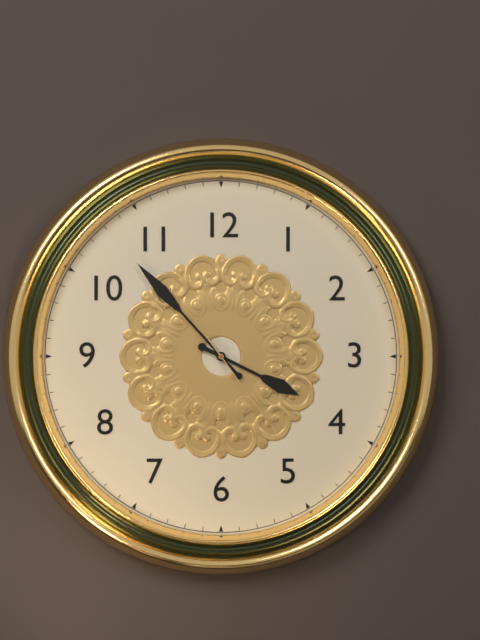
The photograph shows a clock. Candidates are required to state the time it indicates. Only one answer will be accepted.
3:53:24
